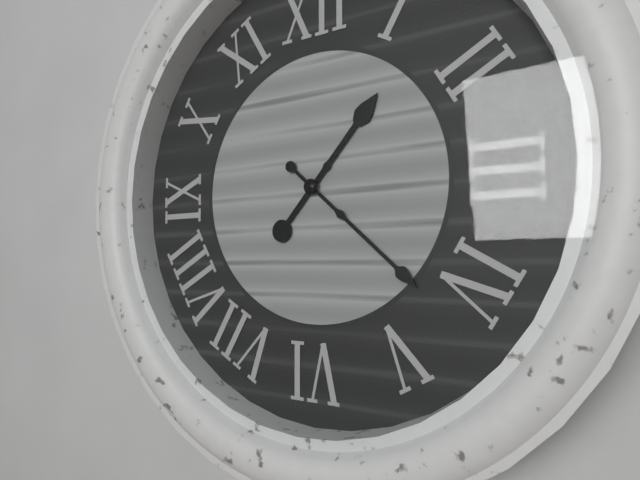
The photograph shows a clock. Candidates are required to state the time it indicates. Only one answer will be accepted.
1:22
